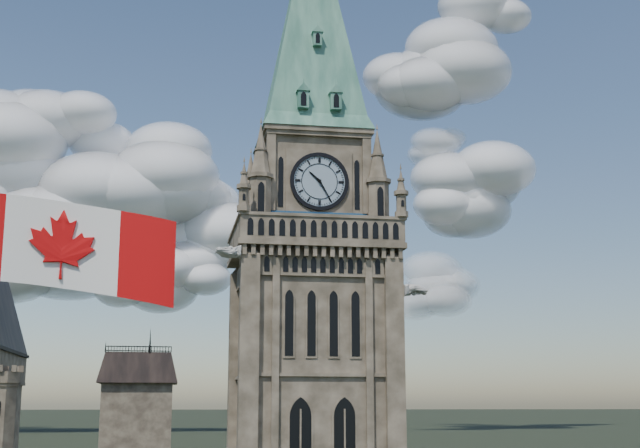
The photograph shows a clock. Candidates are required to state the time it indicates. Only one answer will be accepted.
10:25
